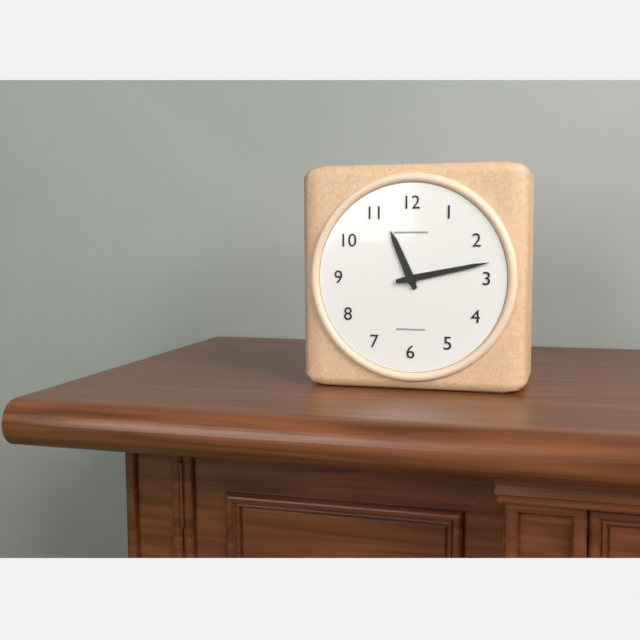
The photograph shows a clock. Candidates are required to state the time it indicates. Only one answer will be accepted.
11:13
